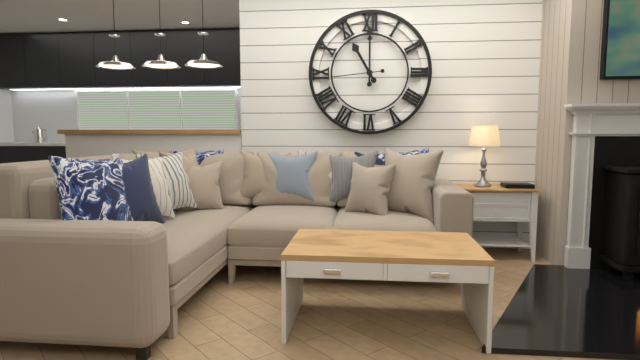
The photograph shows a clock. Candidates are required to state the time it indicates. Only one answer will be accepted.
11:00
